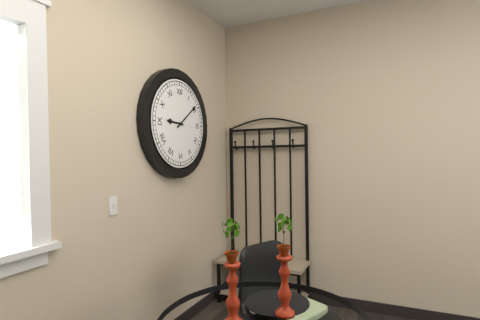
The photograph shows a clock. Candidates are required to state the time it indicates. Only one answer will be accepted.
9:09
